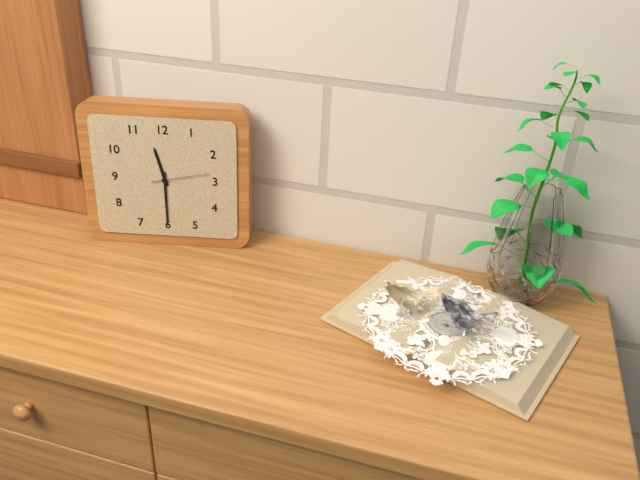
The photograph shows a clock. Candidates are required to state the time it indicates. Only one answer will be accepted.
11:30:13
